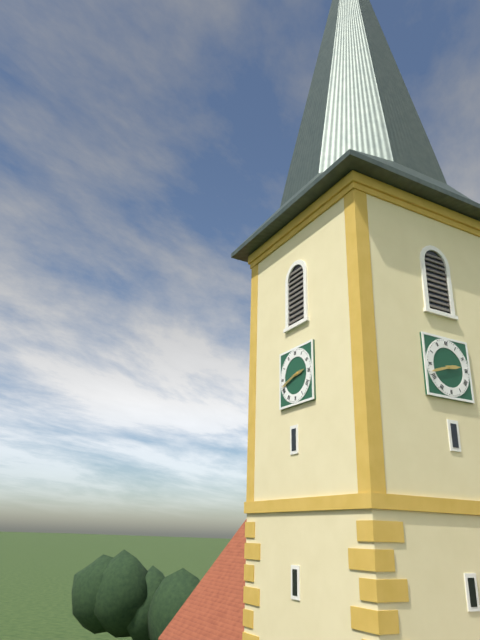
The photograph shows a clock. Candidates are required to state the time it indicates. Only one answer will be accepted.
2:42
